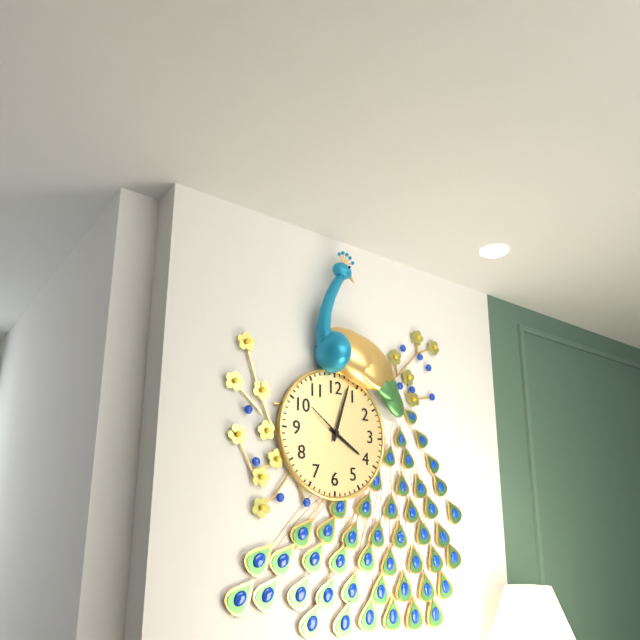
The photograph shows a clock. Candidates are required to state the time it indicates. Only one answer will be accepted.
4:03
